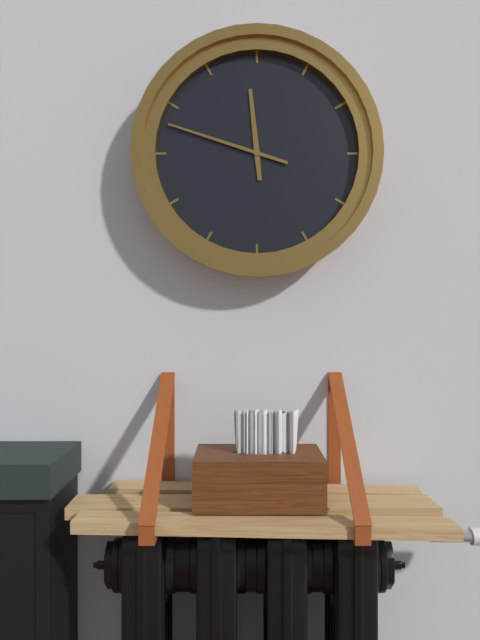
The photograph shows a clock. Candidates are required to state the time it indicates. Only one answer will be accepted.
11:48
